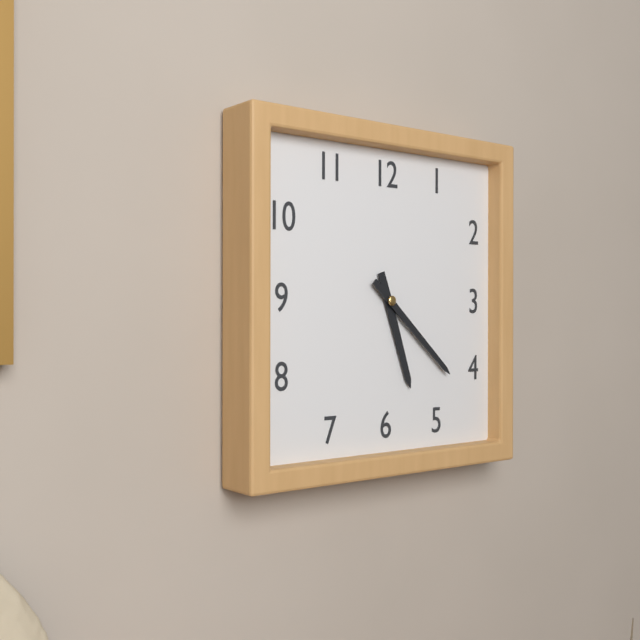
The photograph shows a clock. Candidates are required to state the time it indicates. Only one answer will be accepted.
5:22
